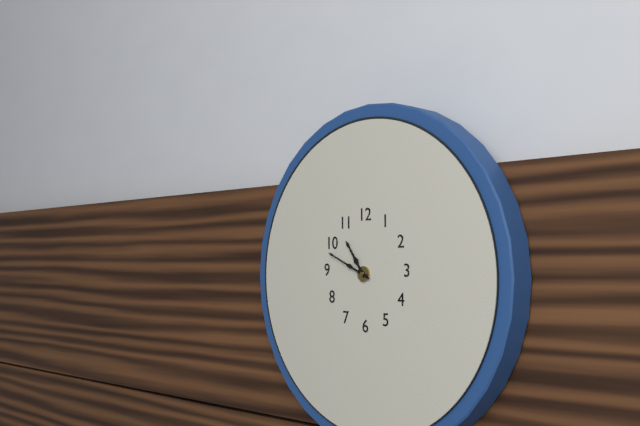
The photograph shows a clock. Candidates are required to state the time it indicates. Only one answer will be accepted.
10:49
